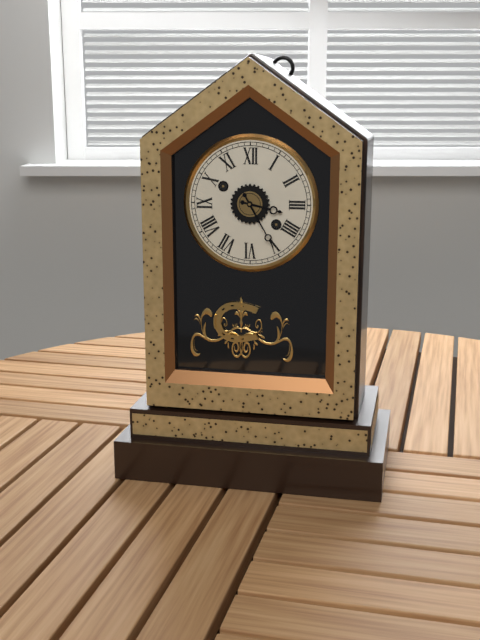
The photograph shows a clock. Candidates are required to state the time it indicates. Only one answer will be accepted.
3:25
